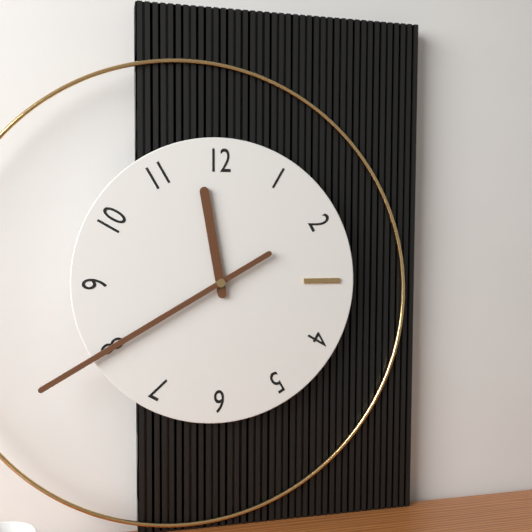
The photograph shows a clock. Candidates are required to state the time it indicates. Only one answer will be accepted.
11:40
